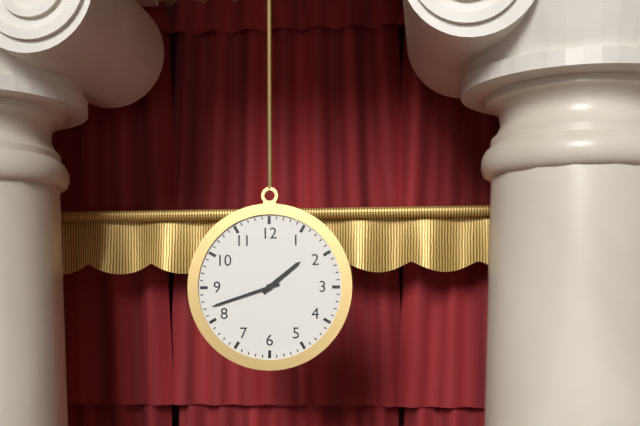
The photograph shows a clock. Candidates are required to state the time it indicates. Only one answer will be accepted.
1:42
